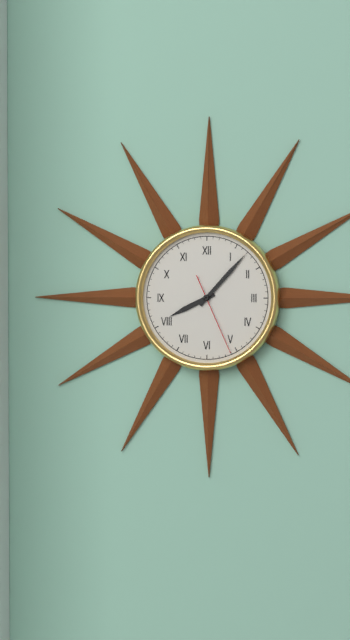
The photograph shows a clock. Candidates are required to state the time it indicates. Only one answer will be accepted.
8:07:26
